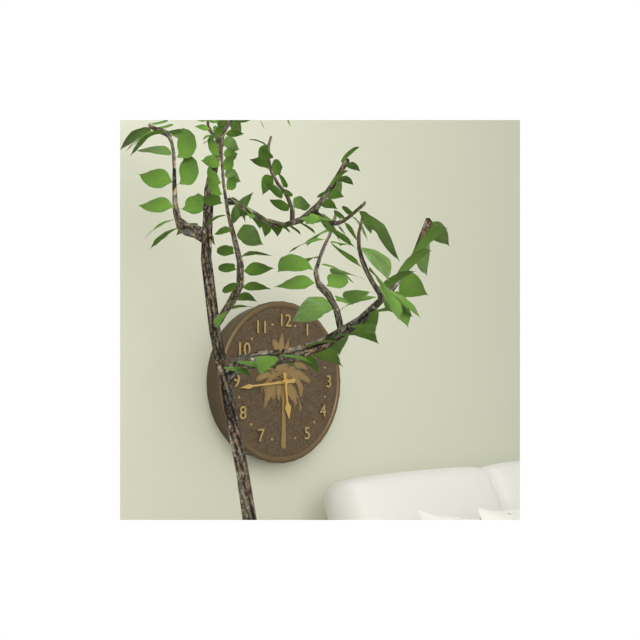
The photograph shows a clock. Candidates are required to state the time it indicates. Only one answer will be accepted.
5:44
